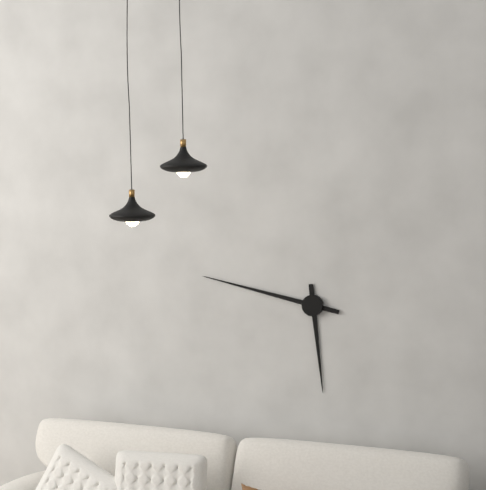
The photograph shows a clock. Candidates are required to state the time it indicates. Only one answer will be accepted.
5:47
